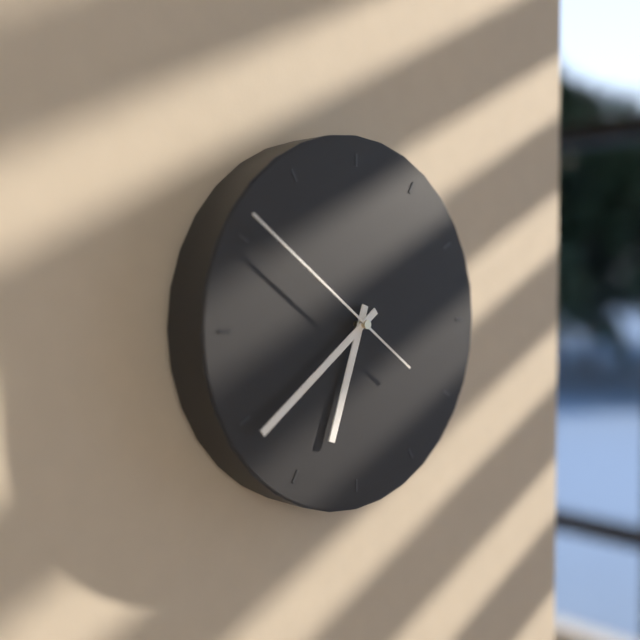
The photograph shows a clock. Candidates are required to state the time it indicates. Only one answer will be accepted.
6:39:51
